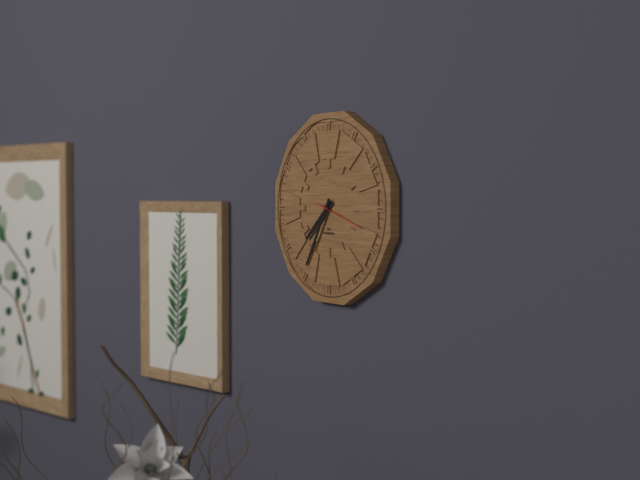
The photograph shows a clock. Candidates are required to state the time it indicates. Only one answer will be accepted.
7:35:18
